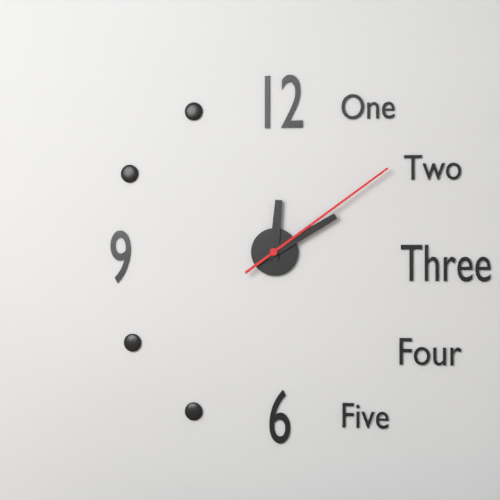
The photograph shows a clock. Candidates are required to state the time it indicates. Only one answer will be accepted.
12:10:09
